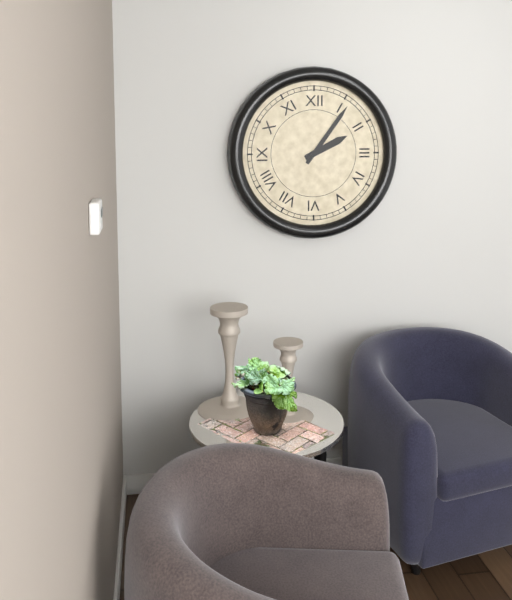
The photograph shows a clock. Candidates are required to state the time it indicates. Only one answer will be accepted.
2:06
